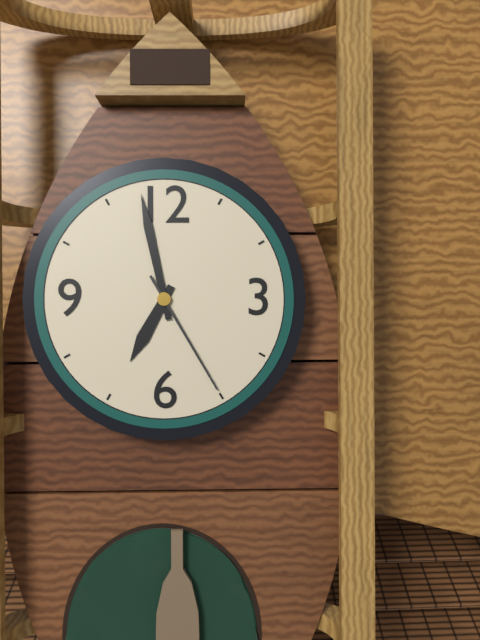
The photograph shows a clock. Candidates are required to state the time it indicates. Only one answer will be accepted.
6:58:25
